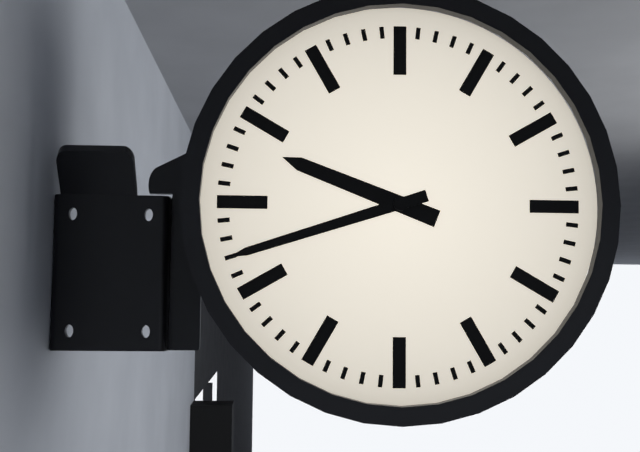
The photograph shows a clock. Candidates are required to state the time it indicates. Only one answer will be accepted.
9:42
